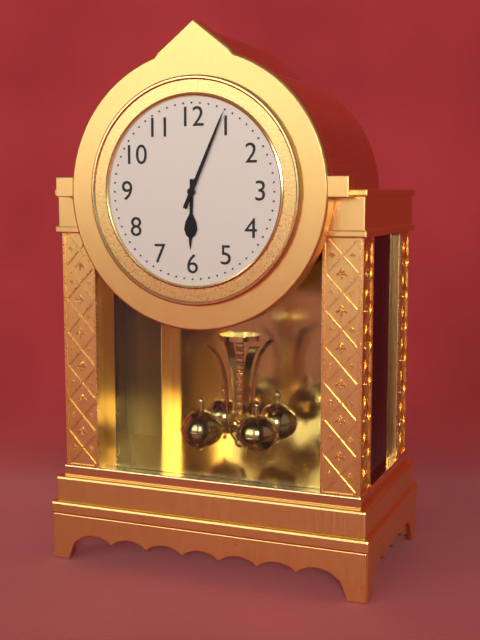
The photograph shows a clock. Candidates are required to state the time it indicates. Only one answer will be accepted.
6:04
